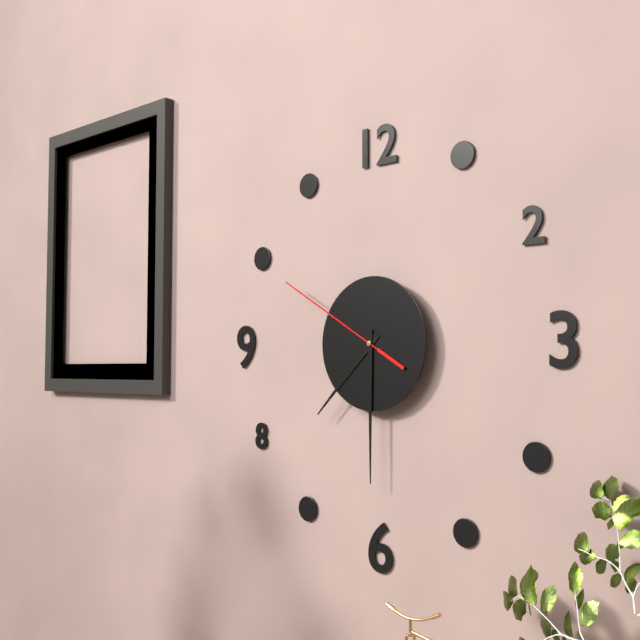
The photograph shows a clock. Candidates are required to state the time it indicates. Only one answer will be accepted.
7:30:50
